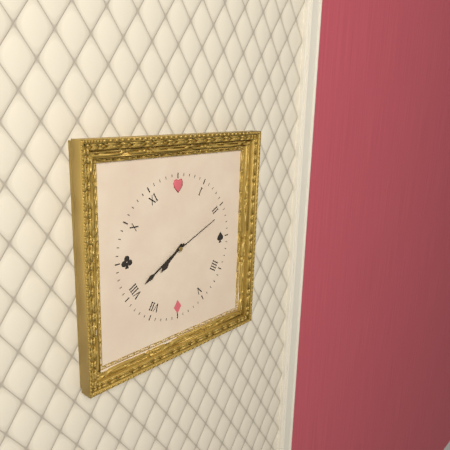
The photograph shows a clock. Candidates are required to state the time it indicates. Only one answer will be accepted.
7:40:11
